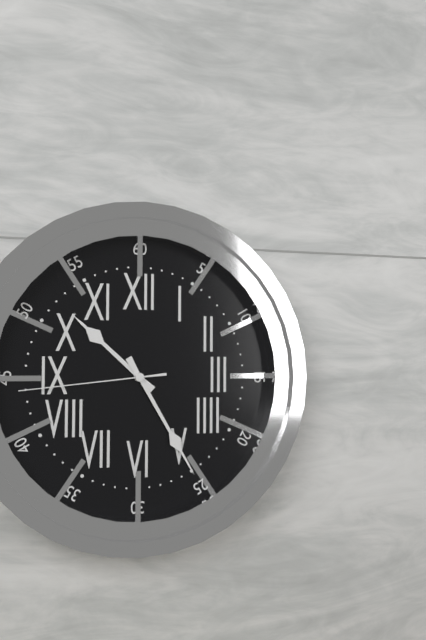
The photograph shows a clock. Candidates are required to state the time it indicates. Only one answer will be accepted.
10:25:44
